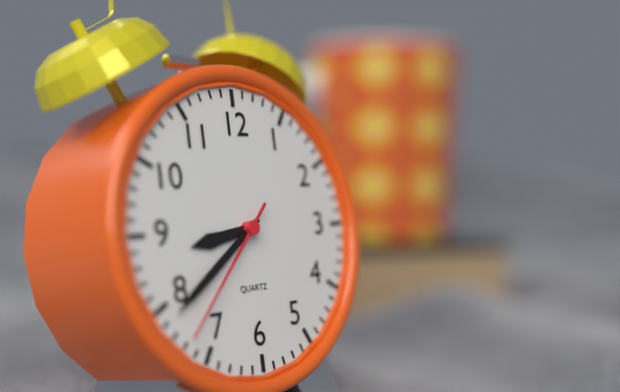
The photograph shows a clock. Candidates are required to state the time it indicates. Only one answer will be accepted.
8:39:37
